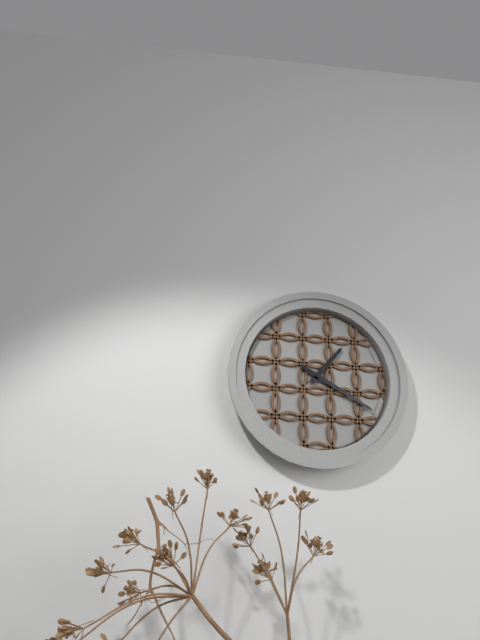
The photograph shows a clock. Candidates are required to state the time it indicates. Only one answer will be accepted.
1:20
